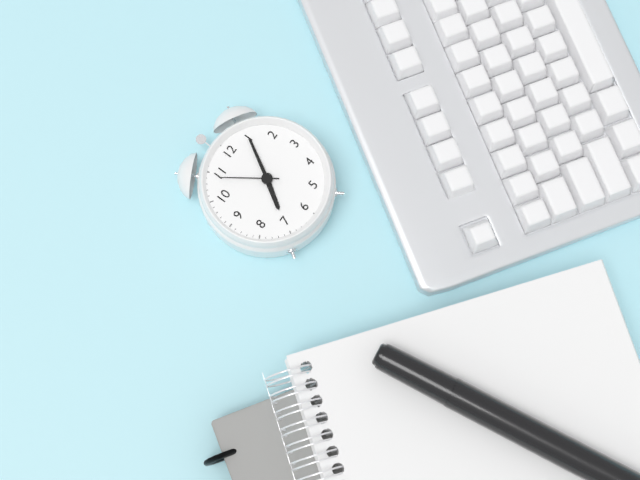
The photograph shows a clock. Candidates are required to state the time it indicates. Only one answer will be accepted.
7:05:54
